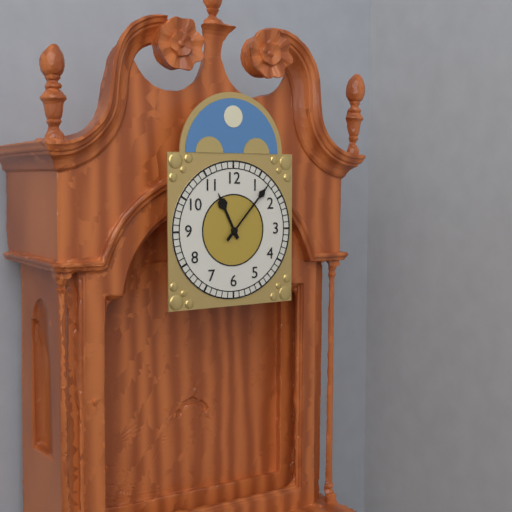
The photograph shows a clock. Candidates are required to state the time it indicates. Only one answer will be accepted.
11:07
